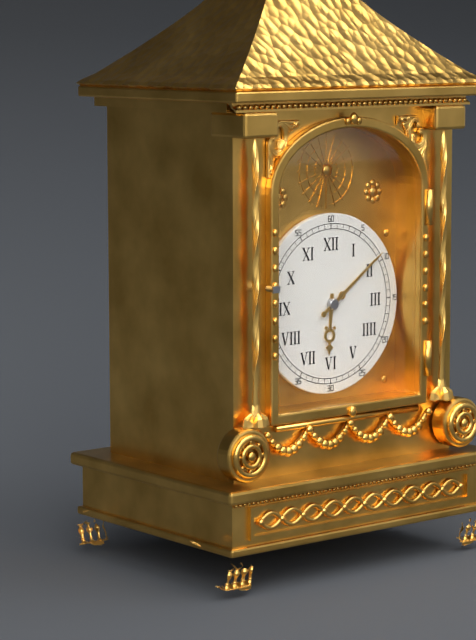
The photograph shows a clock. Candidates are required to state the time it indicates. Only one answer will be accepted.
6:09
